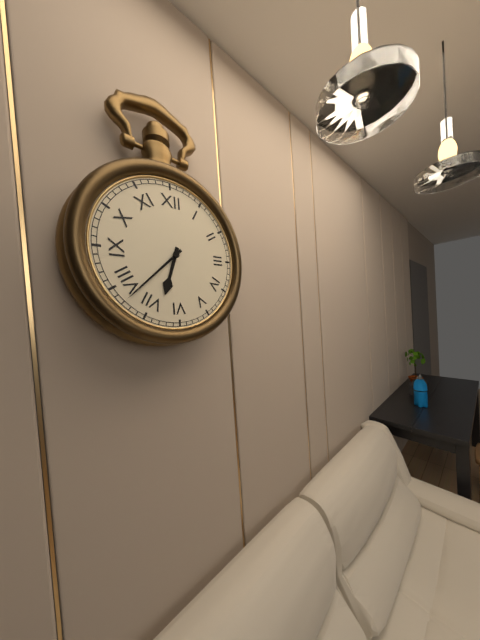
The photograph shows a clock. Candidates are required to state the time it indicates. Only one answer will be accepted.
6:38
